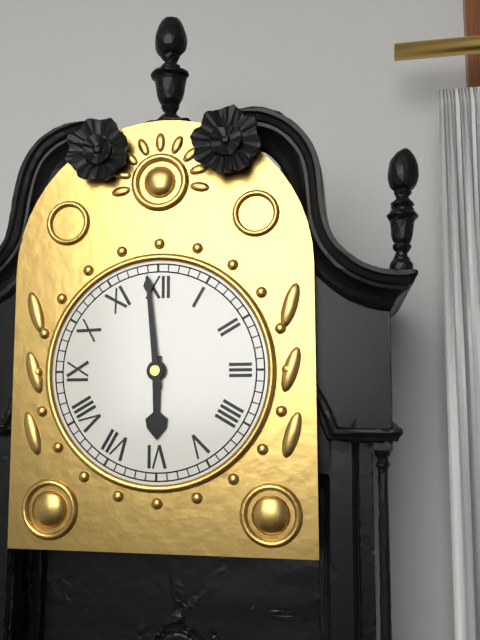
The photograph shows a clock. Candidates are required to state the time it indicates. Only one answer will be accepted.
5:59
